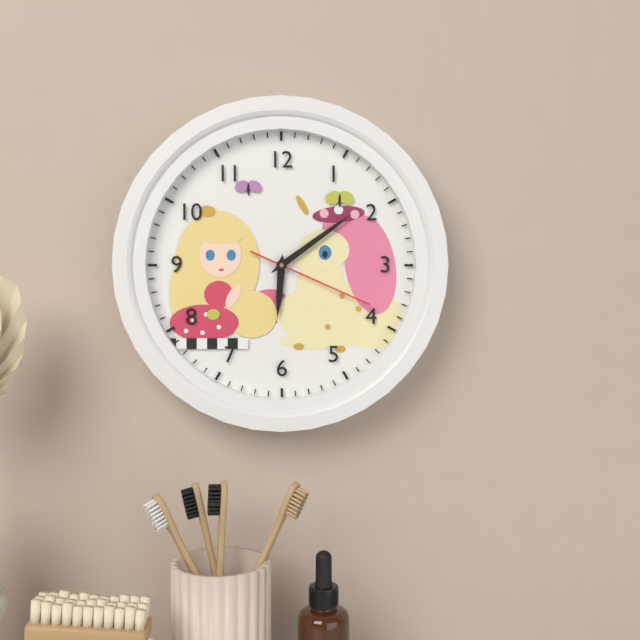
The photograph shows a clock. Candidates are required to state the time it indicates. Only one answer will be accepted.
6:09:19
